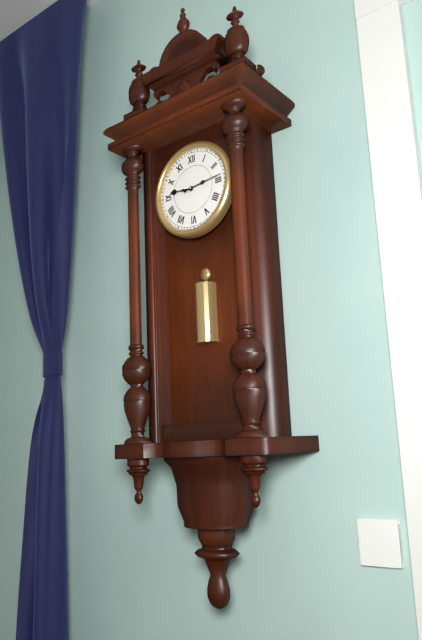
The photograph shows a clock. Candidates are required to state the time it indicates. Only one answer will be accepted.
9:14
